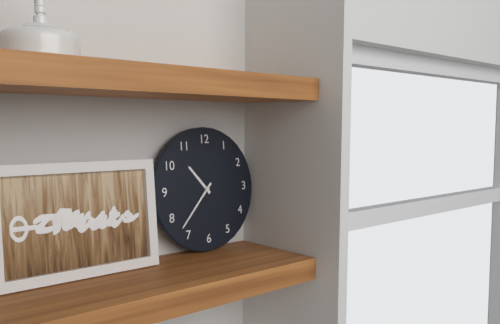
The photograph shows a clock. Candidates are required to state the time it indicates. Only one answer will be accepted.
10:37
